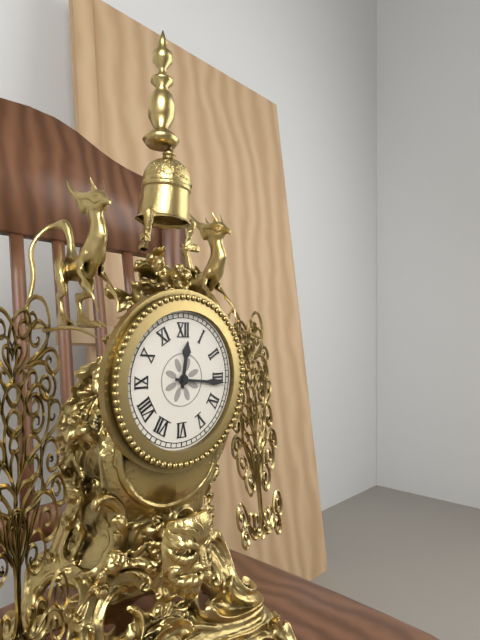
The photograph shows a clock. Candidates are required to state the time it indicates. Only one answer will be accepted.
12:16
